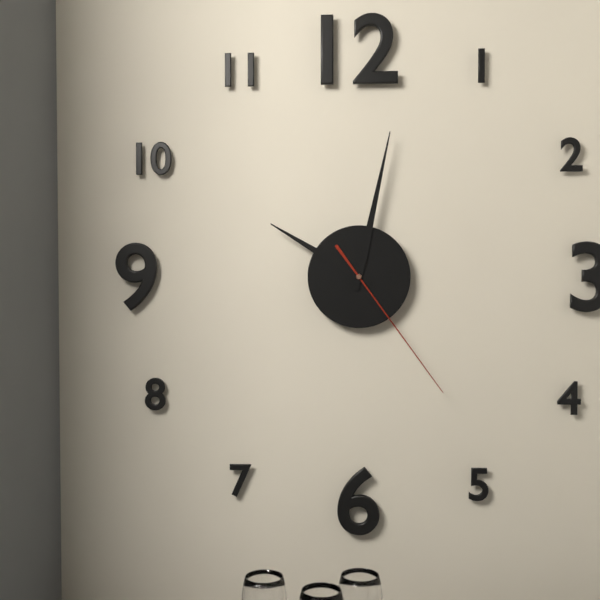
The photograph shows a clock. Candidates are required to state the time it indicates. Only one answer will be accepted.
10:02:24
